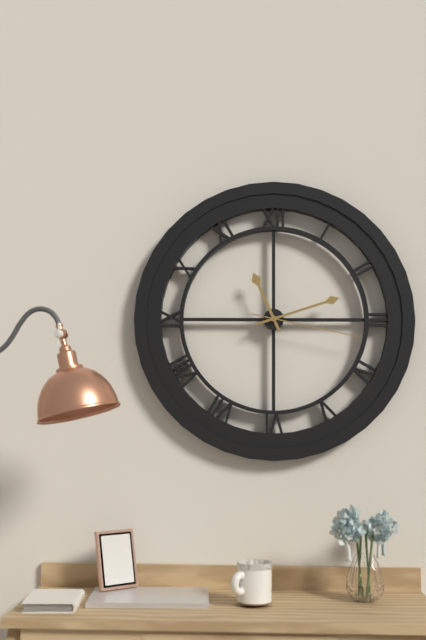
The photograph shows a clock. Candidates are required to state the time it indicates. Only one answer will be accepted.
11:12:17
